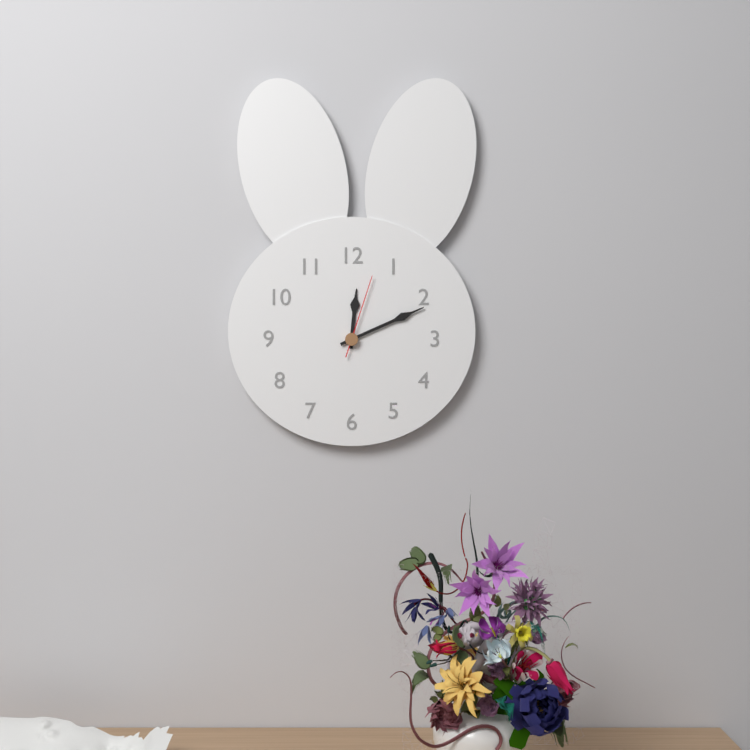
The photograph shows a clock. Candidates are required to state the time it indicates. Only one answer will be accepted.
12:11:03
